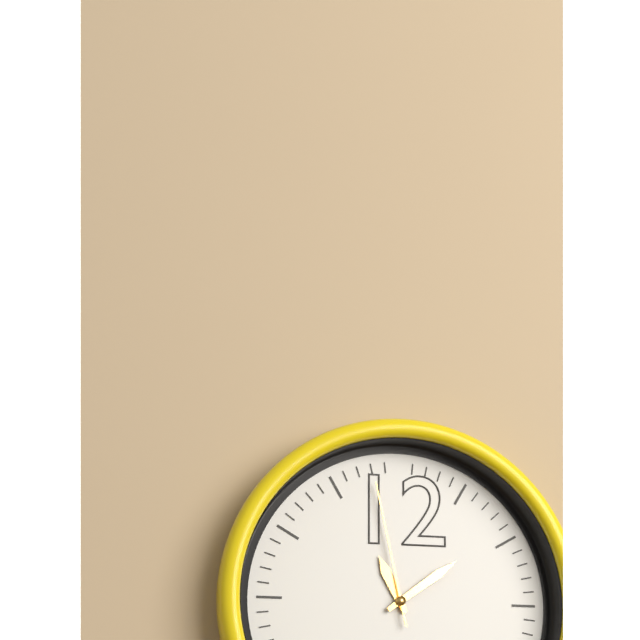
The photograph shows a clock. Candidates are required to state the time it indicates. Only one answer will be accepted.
11:09:58
